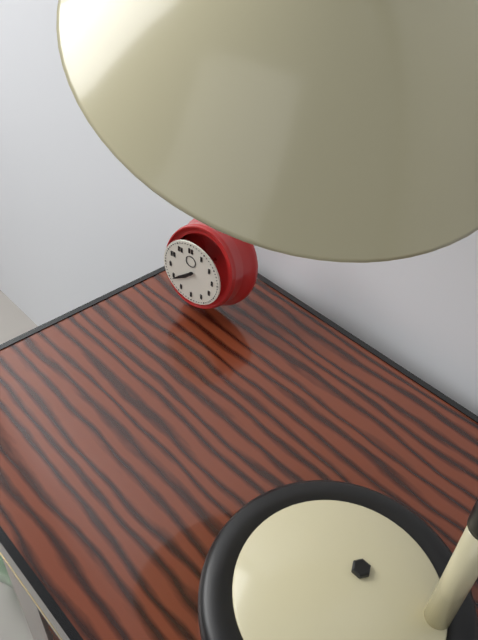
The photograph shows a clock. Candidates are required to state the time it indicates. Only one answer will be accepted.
7:39
